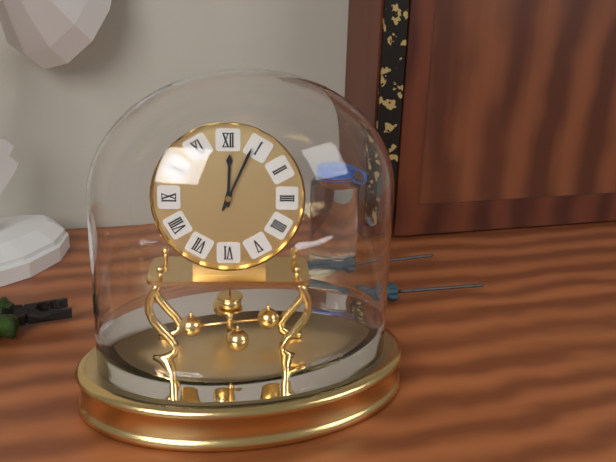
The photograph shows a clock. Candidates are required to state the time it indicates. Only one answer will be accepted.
12:04
